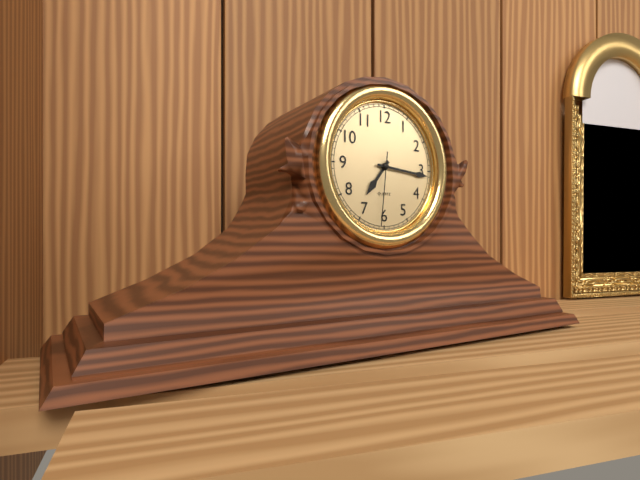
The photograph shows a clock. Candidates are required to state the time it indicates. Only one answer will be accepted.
7:16:31
